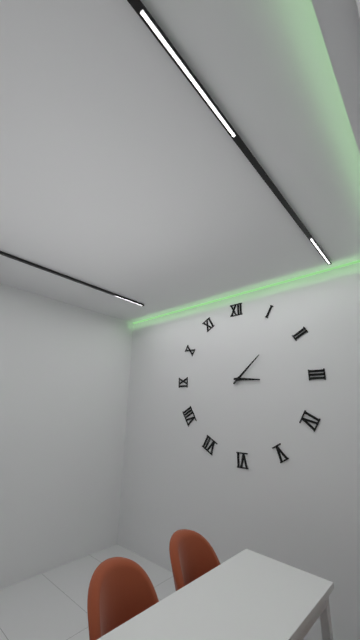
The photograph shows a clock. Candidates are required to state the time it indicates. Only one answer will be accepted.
3:08
